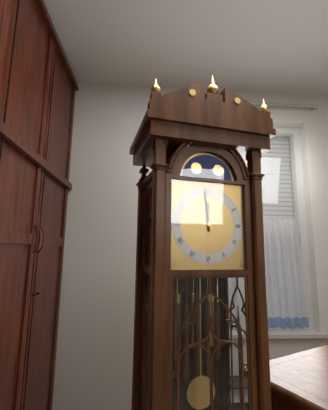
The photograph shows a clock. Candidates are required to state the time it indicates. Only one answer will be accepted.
11:59
